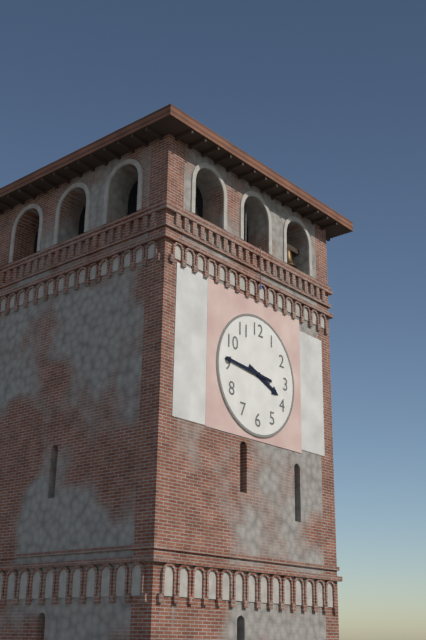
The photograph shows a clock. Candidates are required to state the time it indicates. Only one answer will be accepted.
3:46
